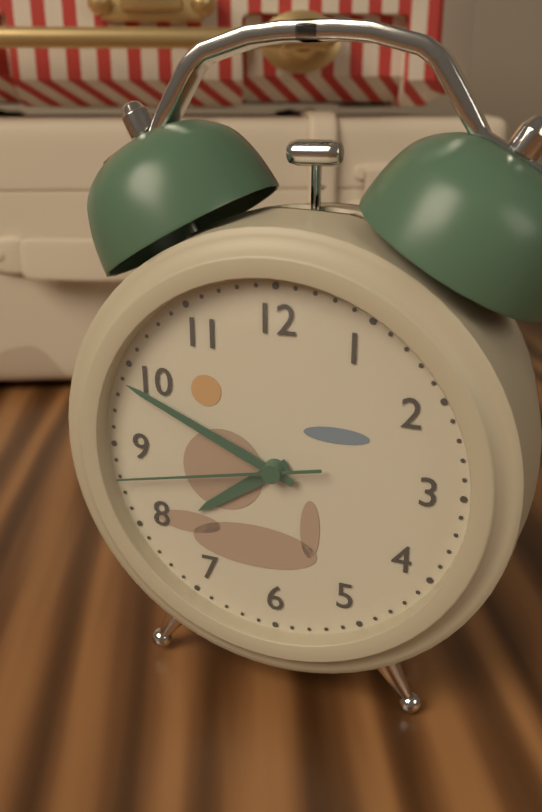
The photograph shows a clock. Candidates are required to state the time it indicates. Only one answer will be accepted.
7:49:43
